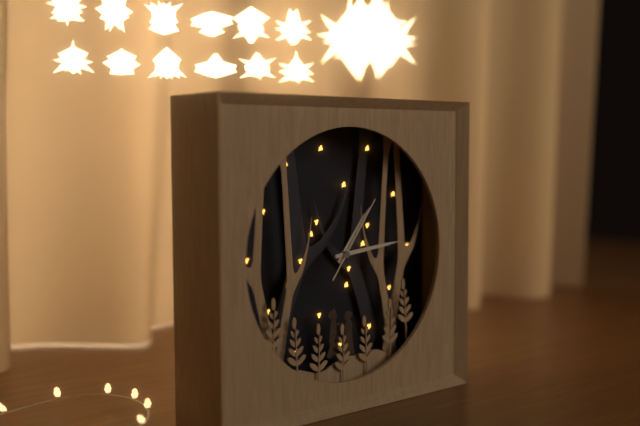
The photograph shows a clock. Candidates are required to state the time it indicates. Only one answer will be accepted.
1:14:06
